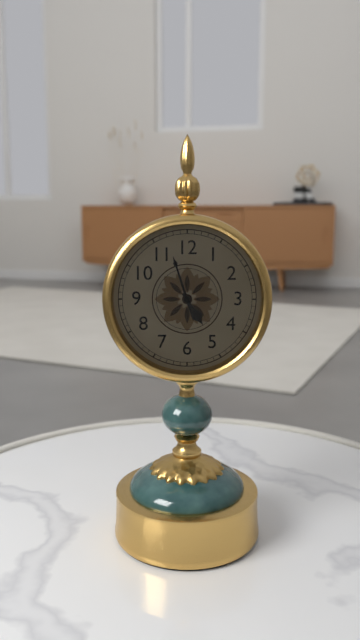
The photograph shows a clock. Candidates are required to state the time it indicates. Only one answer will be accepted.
4:57
